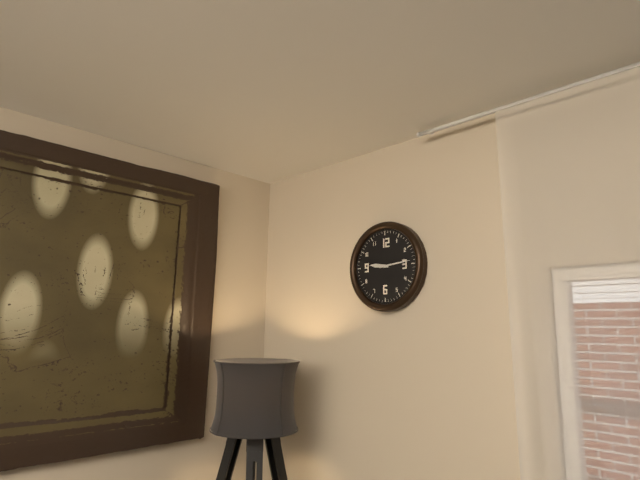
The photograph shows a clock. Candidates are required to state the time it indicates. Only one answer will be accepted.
9:14
